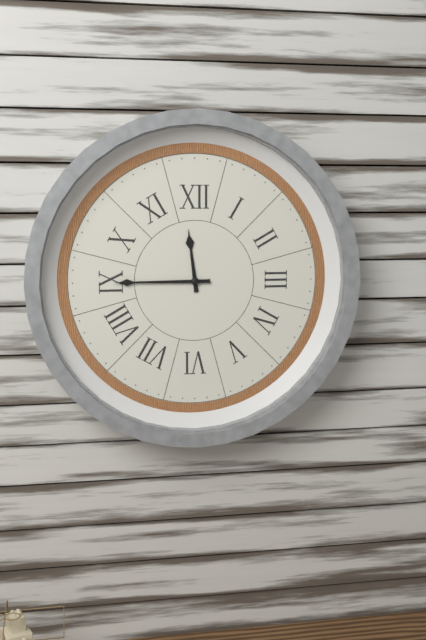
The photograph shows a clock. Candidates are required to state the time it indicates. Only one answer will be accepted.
11:45
